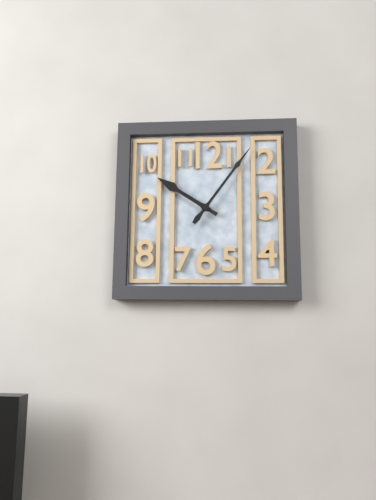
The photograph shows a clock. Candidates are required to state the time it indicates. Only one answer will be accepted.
10:06
